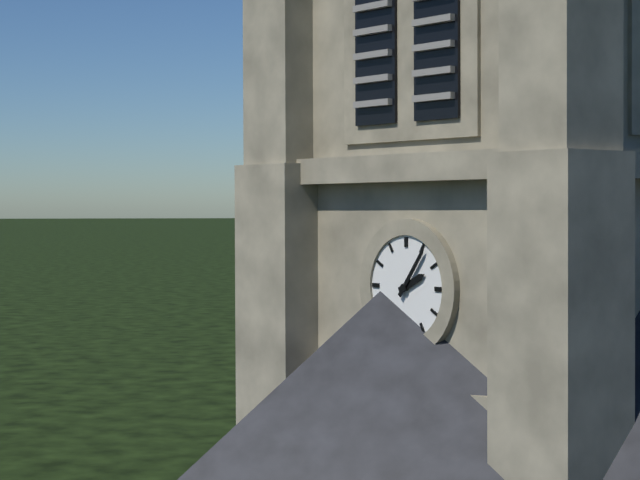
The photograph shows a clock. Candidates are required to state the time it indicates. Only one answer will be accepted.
2:06
